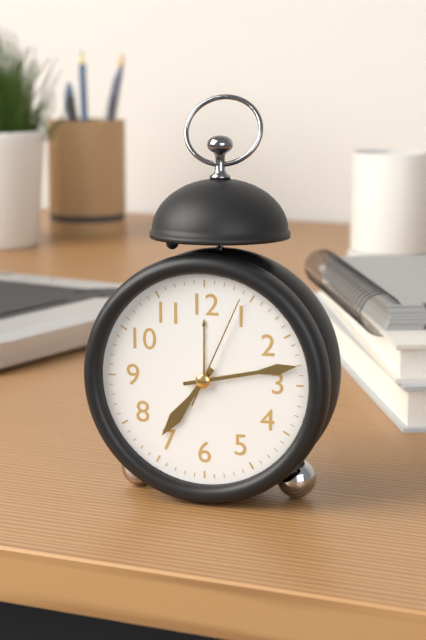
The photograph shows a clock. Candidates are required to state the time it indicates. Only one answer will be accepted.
7:13:04
